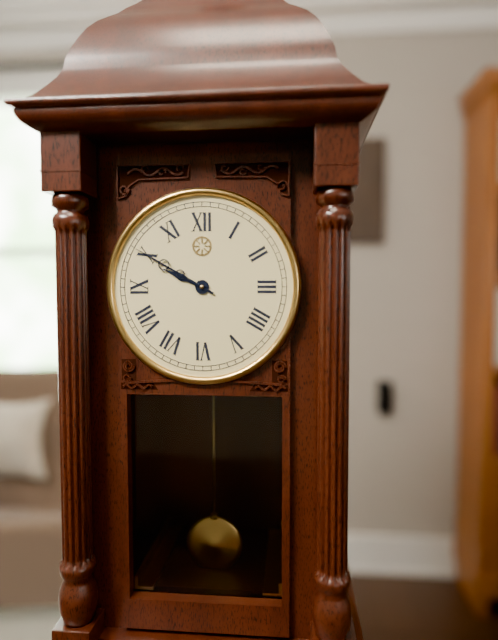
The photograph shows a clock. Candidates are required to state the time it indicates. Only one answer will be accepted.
9:50
